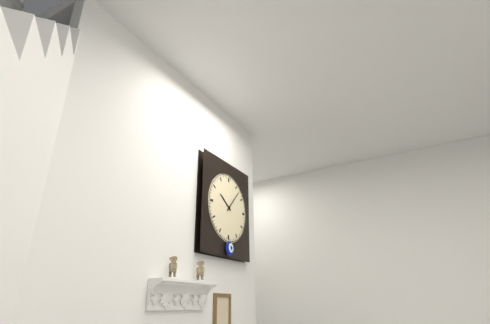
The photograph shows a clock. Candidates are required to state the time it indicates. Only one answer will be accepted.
10:07
